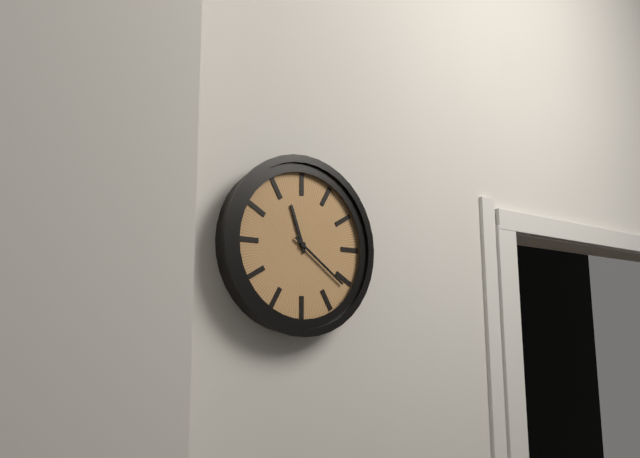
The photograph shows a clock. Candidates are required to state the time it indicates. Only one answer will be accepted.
11:21
